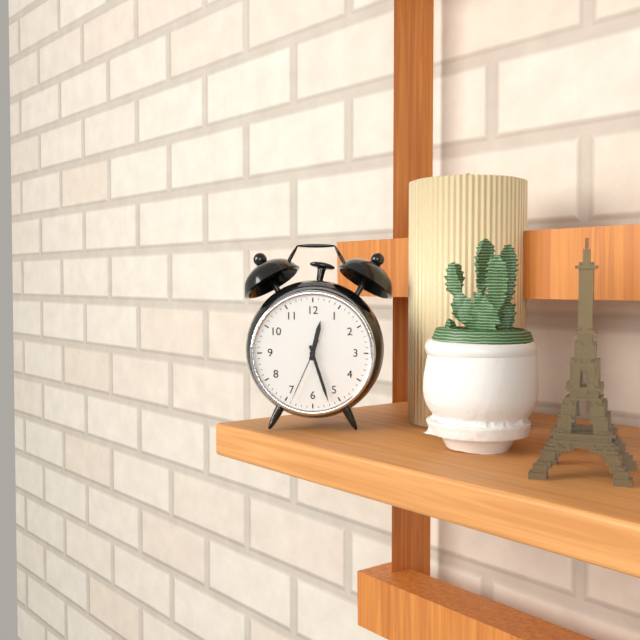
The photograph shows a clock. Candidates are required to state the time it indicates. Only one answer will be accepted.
12:27:34
